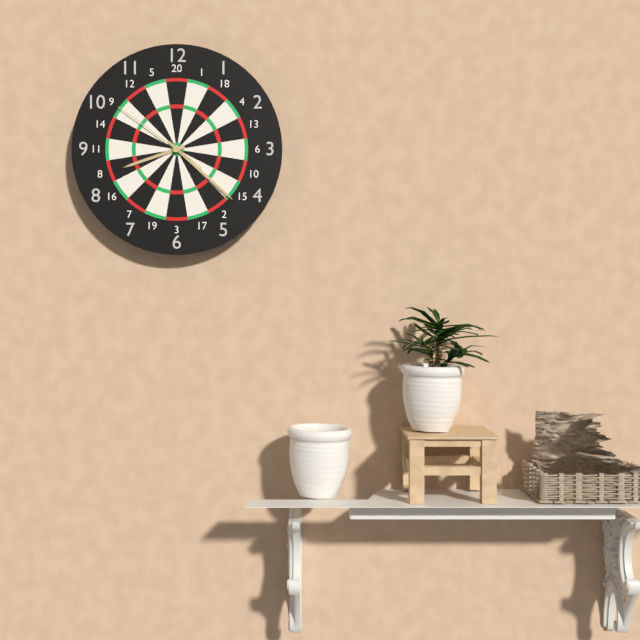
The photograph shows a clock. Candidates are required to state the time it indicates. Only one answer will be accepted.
8:22:51
